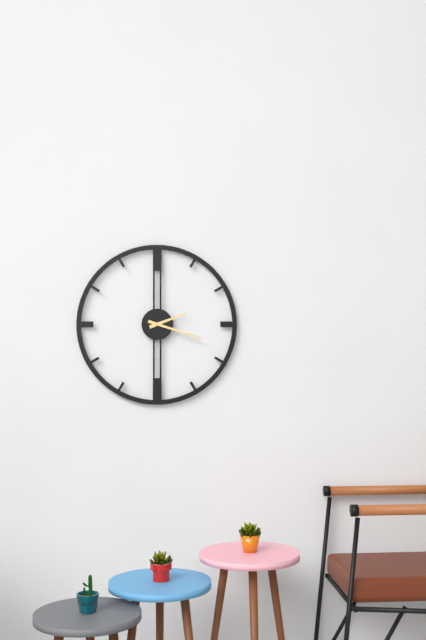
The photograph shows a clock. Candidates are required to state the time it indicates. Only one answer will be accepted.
2:18
